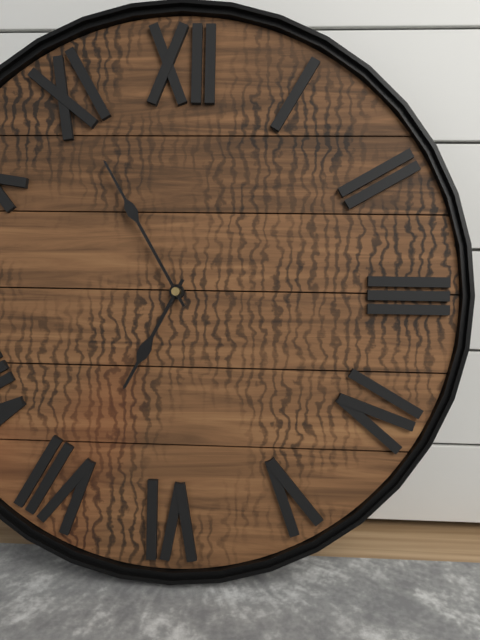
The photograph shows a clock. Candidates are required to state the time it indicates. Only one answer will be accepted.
6:55
